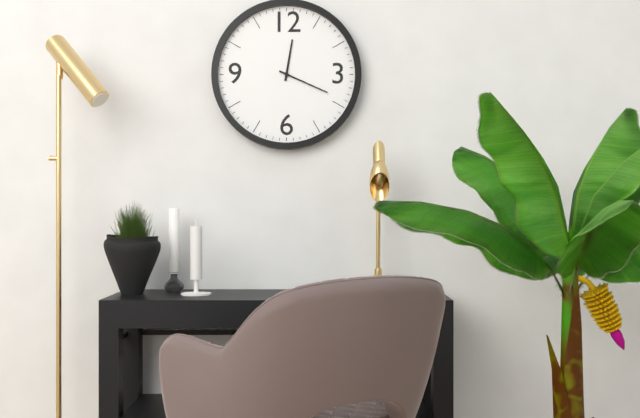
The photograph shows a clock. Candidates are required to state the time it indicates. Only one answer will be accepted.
12:19
